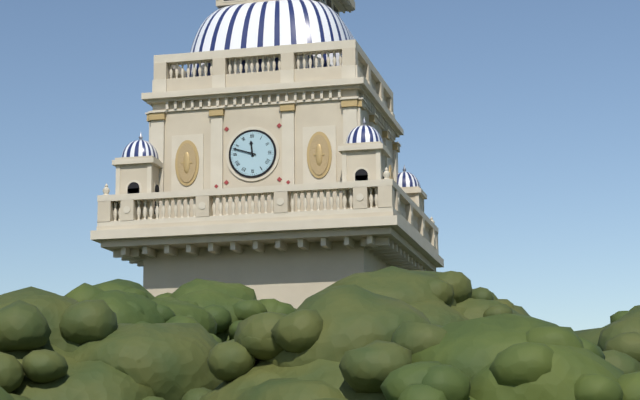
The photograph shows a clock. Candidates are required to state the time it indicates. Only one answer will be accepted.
11:48
